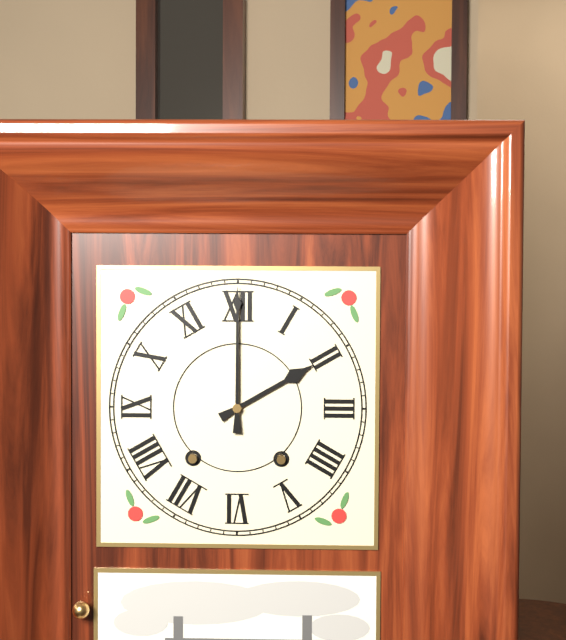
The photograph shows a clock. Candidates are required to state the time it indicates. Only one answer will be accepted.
2:00
